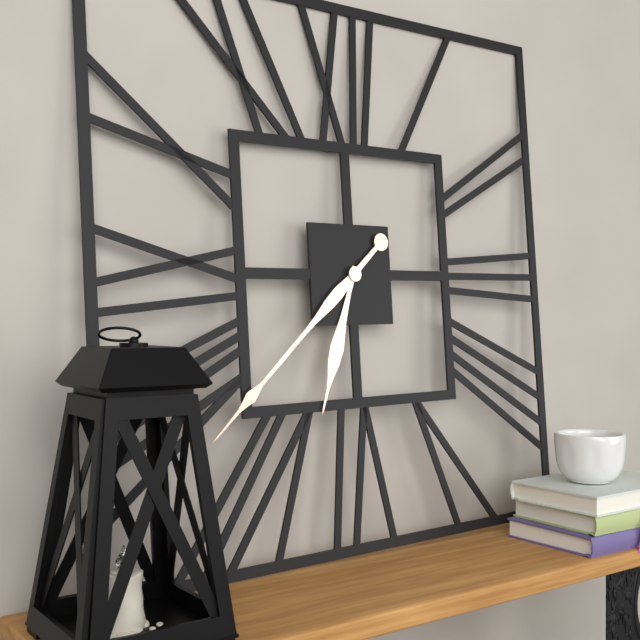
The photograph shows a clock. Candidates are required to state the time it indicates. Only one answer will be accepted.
6:38
